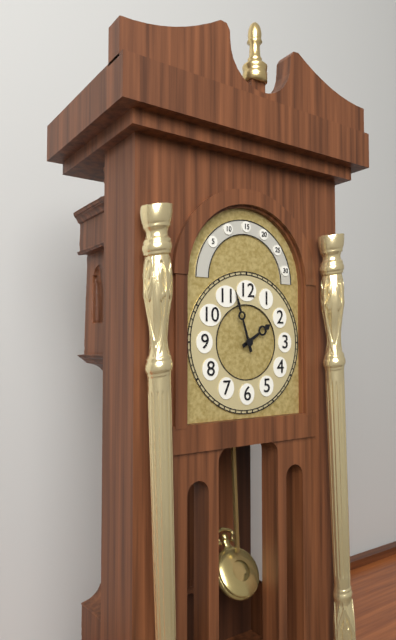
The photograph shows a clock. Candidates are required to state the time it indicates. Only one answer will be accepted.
1:57
